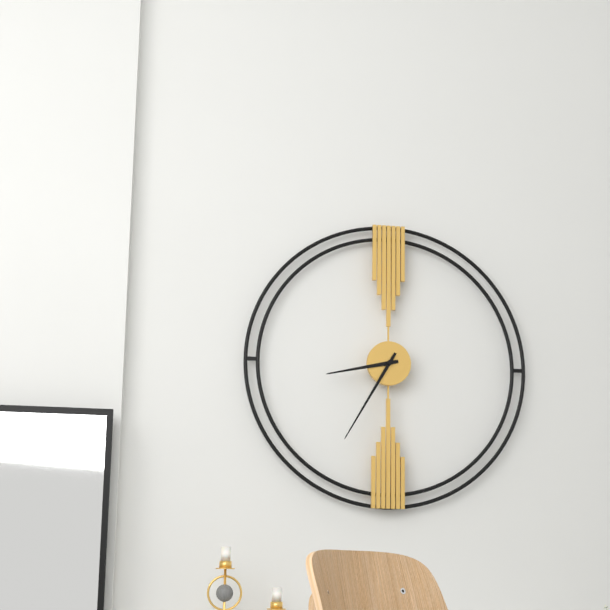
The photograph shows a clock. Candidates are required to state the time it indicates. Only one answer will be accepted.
8:35
